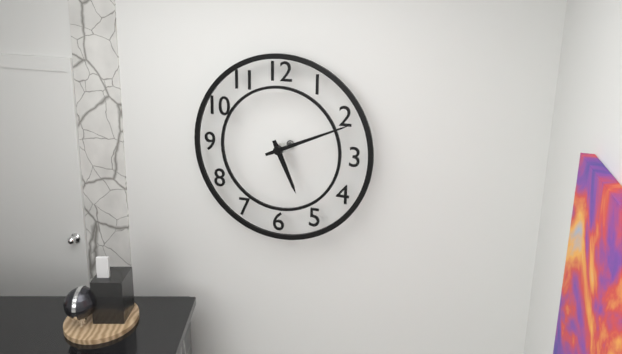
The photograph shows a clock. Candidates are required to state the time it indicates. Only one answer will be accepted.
5:11
